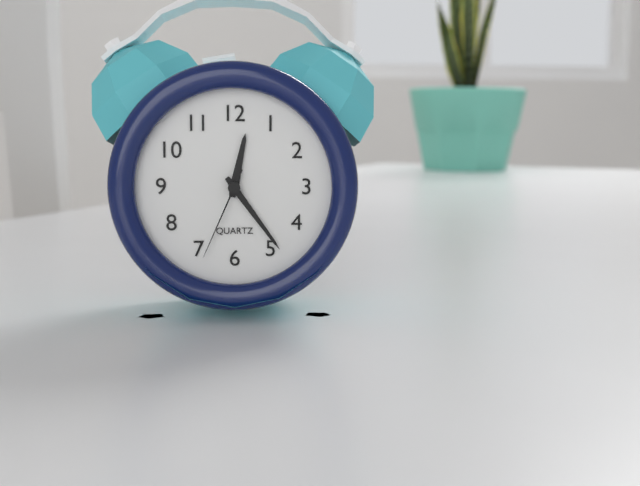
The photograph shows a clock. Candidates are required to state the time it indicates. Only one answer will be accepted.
12:24:34
